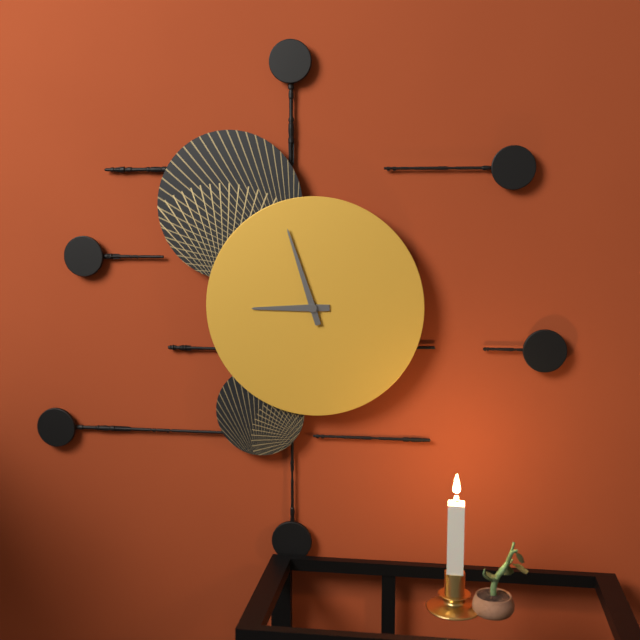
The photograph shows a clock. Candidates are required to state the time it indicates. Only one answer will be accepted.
8:57
